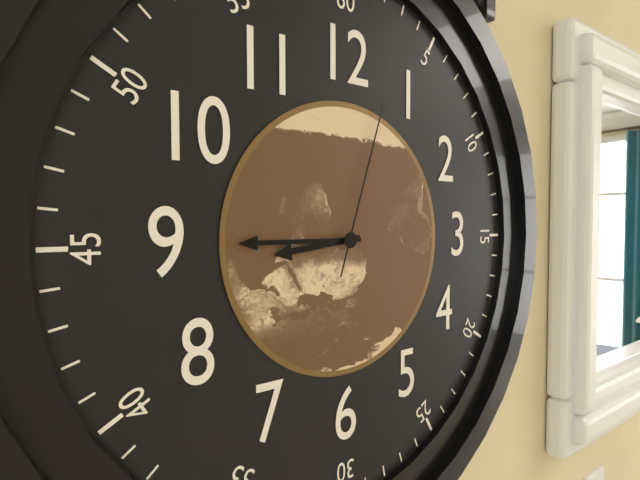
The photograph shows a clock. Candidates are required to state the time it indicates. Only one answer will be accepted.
8:45:03
